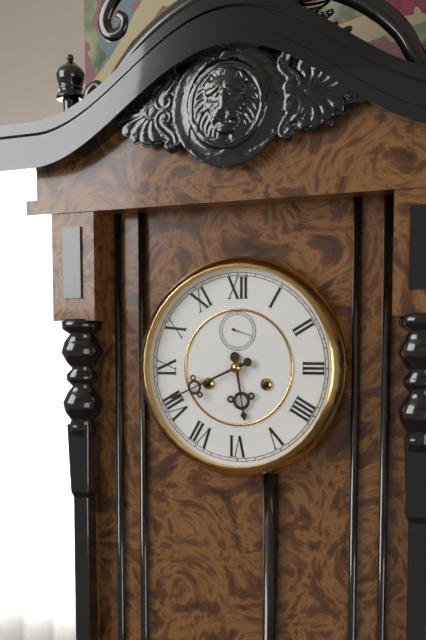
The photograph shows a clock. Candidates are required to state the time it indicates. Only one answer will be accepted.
5:41
